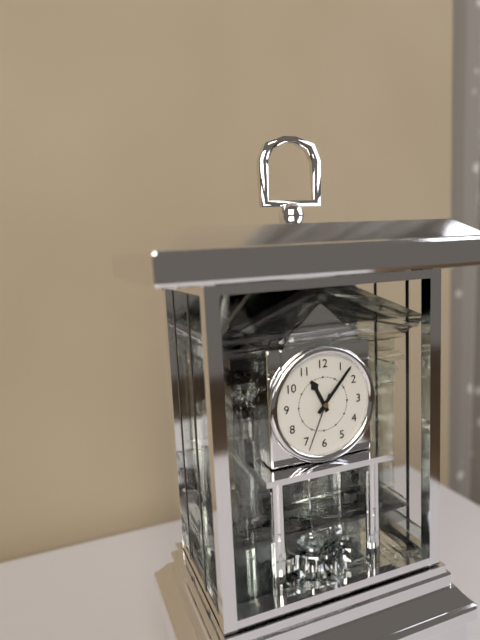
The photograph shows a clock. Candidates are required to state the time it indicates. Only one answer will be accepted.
11:07:34
